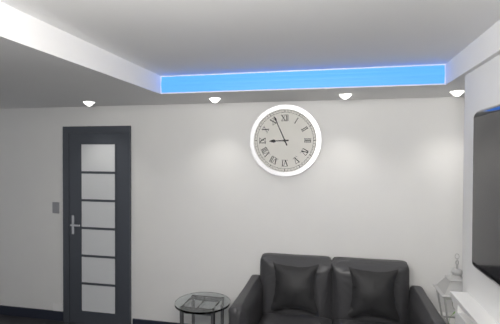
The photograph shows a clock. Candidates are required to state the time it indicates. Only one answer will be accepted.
8:56
